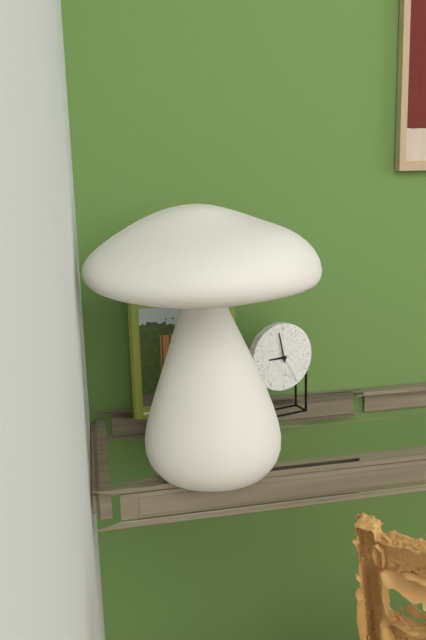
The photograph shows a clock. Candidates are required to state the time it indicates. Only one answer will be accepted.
8:58
